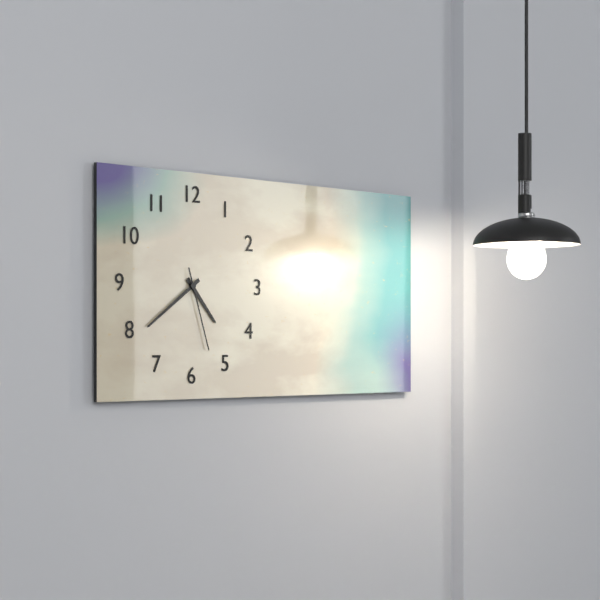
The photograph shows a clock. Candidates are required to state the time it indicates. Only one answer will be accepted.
4:39:27
